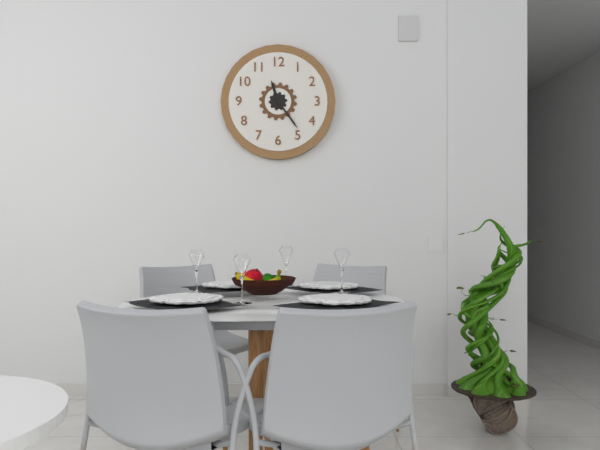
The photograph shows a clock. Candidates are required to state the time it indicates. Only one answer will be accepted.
11:24
